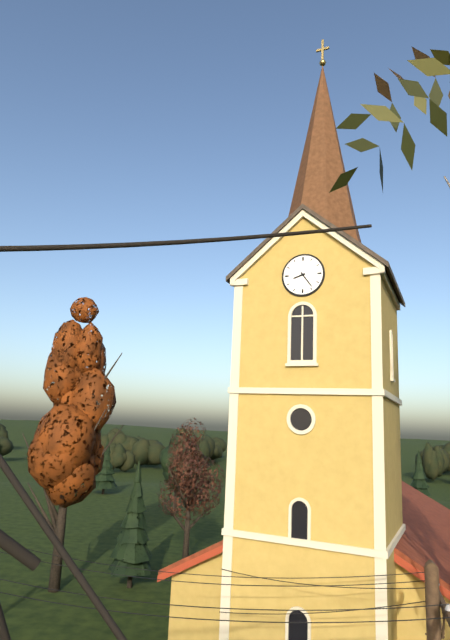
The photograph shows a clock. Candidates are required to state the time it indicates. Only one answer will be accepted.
8:24
